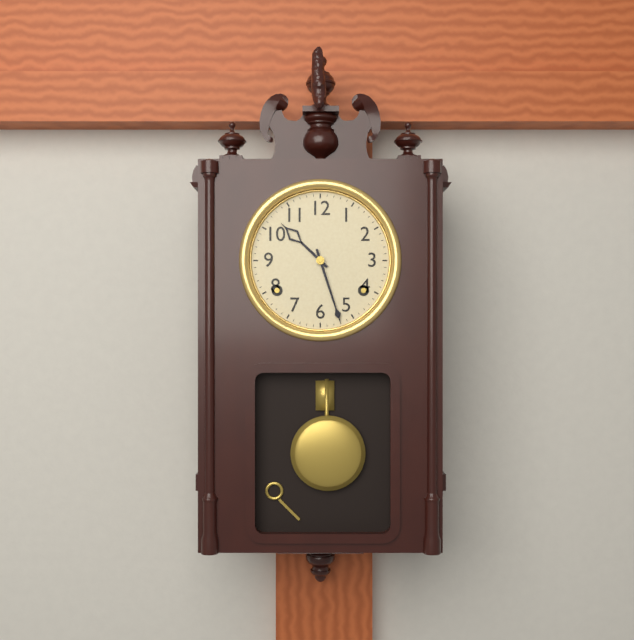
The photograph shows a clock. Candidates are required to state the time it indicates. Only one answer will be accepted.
10:27
